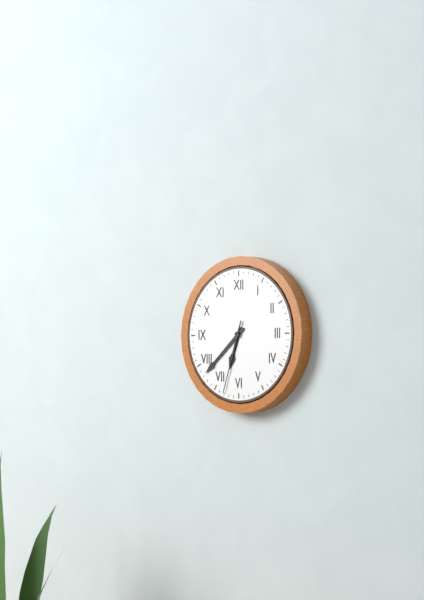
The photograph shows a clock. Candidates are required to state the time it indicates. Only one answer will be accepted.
6:38:33
